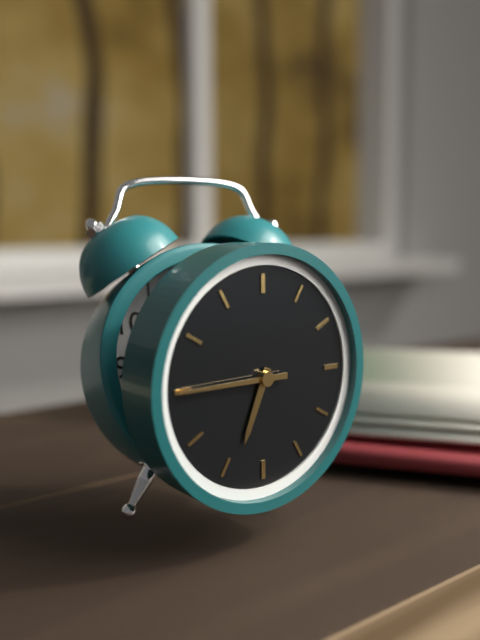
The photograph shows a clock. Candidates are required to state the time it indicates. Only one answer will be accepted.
6:45
